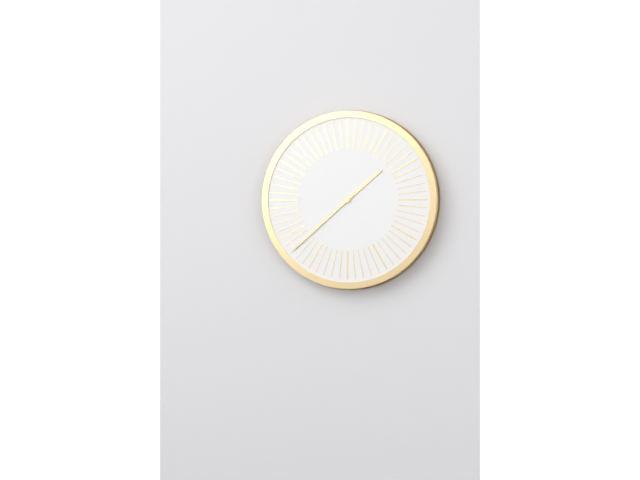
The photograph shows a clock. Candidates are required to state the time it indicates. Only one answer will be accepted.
1:38
